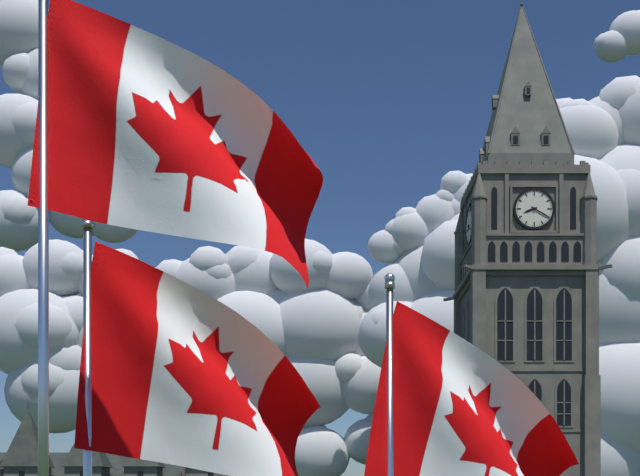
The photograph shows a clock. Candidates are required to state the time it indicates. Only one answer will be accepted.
8:20
